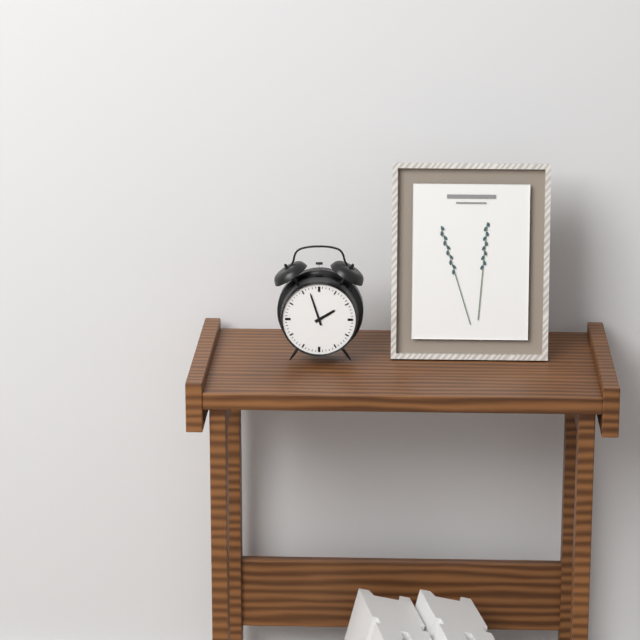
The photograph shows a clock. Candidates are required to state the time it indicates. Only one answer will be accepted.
1:57
